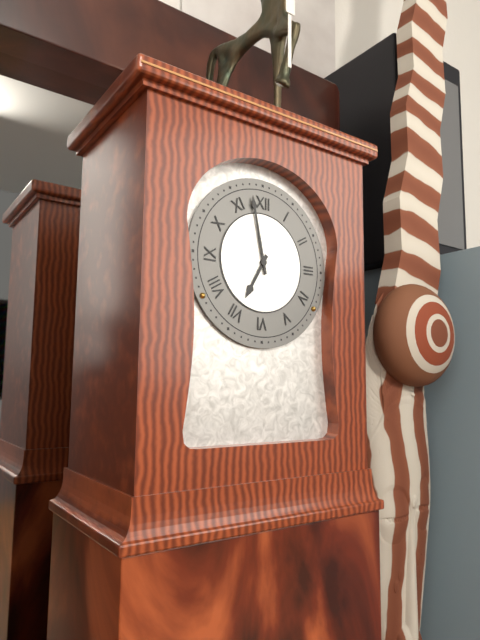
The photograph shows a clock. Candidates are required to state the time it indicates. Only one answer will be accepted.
6:58
